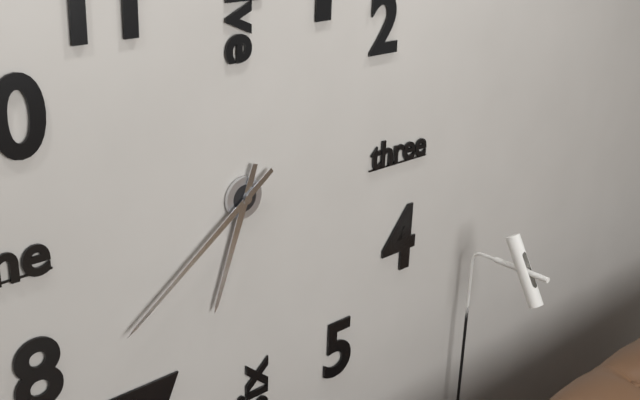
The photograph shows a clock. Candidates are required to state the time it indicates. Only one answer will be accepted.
6:39
